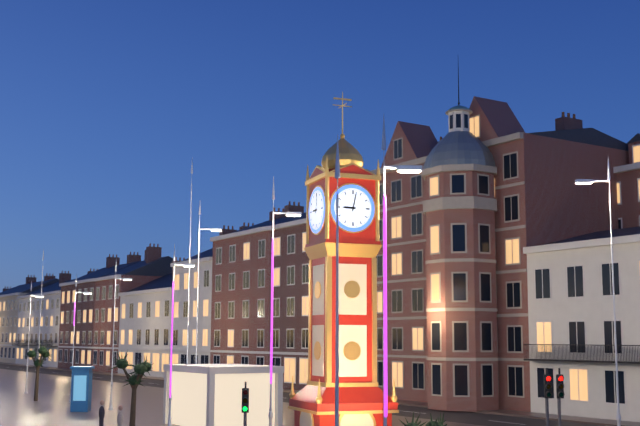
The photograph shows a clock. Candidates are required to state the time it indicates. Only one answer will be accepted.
9:02
